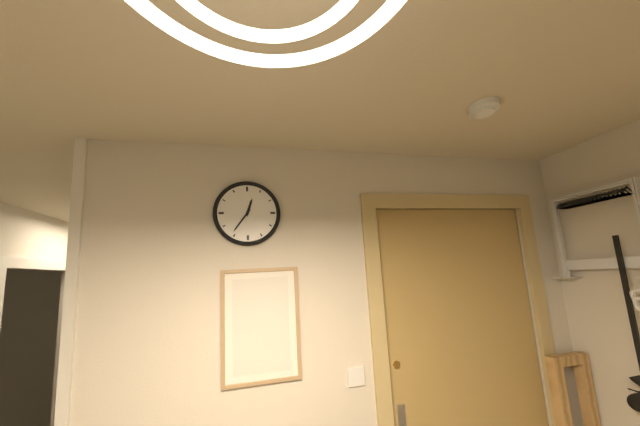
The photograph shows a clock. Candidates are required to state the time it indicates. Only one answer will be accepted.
12:36
